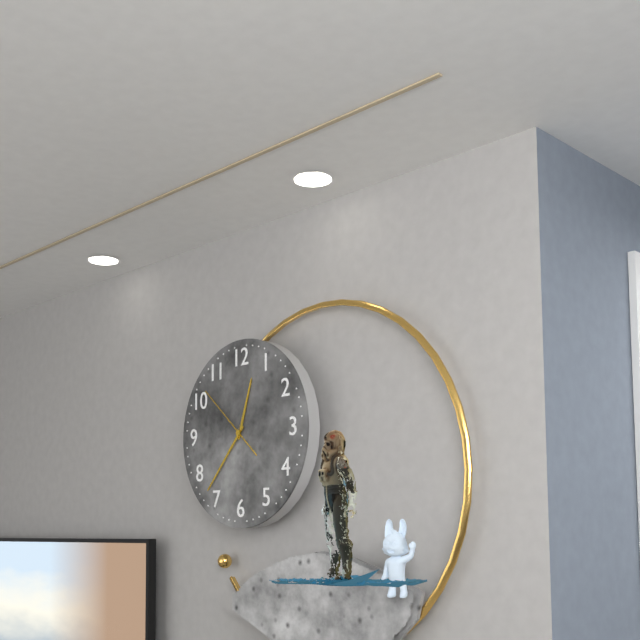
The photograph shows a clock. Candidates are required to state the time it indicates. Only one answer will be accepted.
12:37:52
